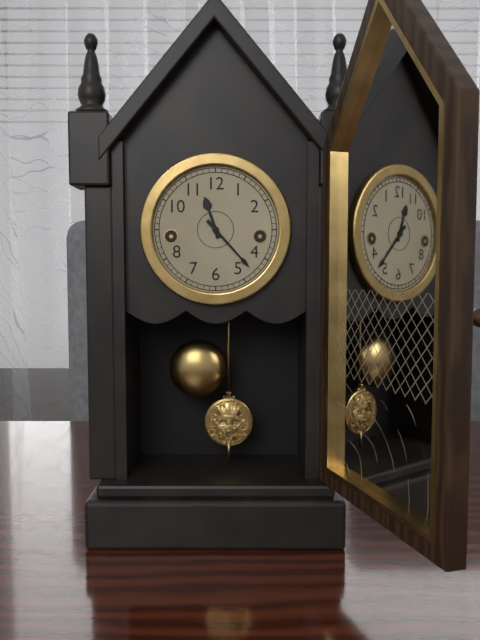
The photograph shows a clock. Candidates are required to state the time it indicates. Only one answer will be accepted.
11:23
